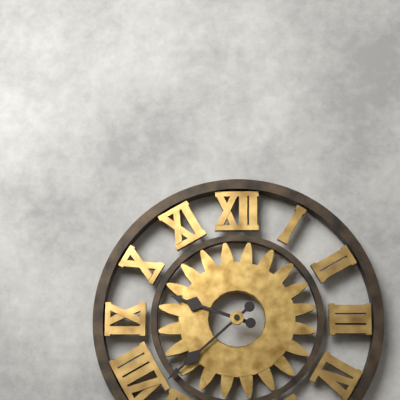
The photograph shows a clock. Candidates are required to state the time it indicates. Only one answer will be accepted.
9:38
